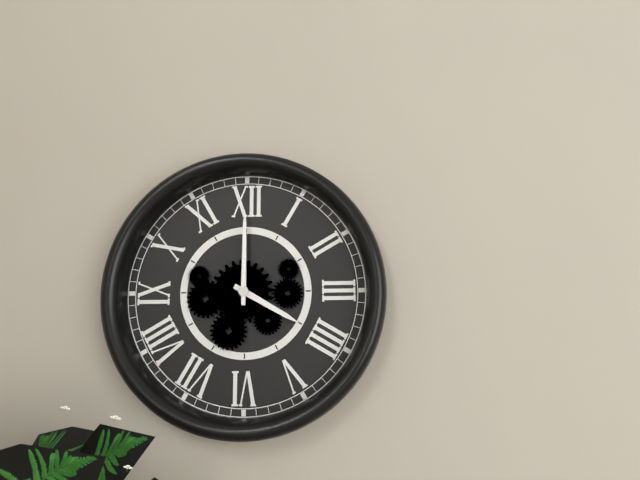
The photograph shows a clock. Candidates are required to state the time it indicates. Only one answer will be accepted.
4:00
